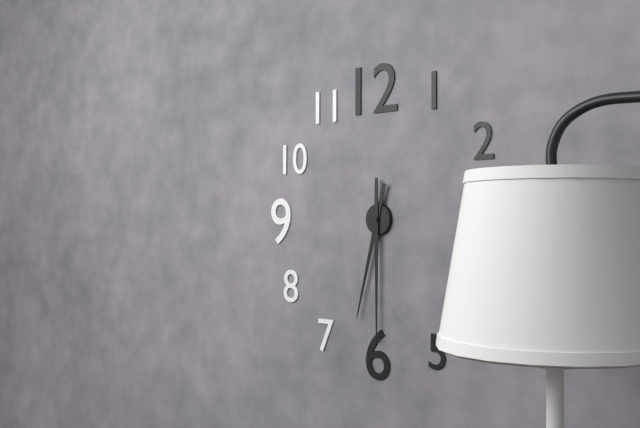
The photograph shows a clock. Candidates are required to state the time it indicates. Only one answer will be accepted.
6:30
